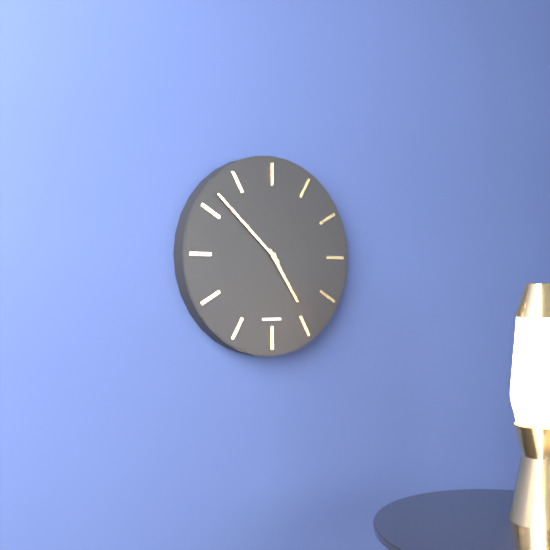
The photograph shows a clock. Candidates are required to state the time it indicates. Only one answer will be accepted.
4:52
